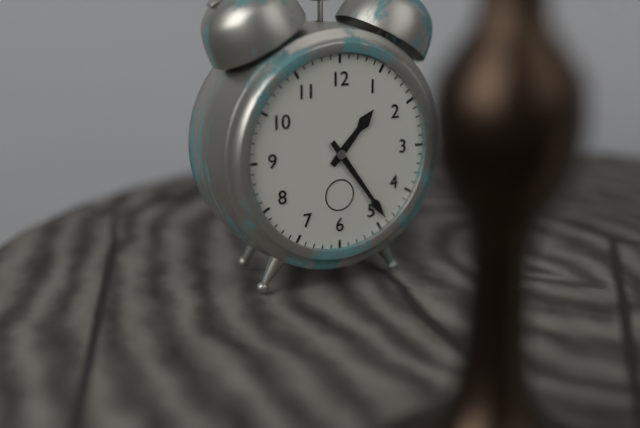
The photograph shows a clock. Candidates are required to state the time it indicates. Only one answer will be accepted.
1:24
